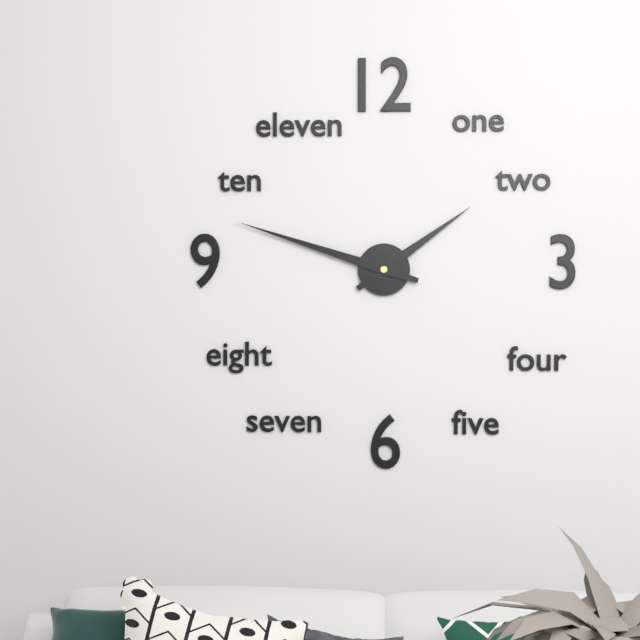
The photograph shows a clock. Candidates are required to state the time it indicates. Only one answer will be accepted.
1:48
